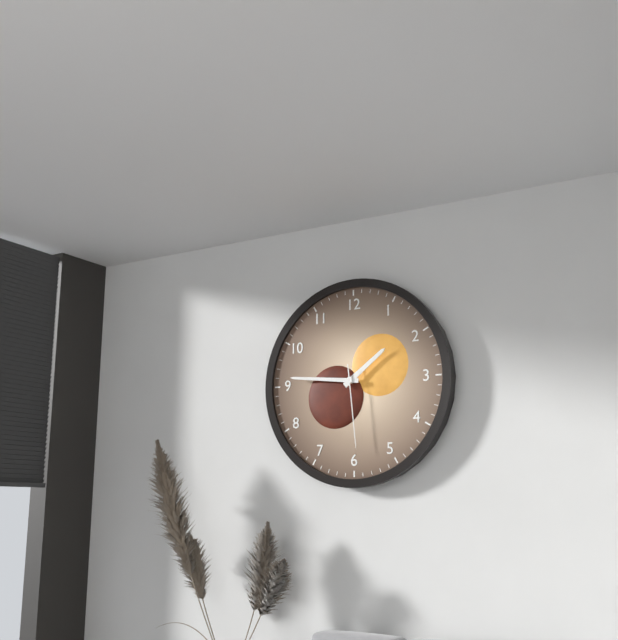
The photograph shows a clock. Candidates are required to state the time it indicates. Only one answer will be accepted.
1:46:29
